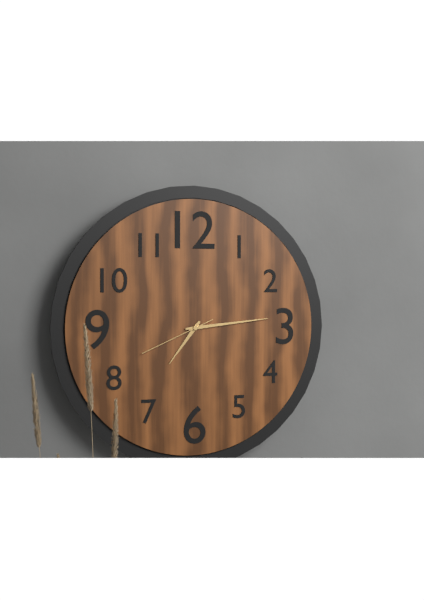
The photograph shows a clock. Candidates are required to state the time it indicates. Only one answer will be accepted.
7:14:41
